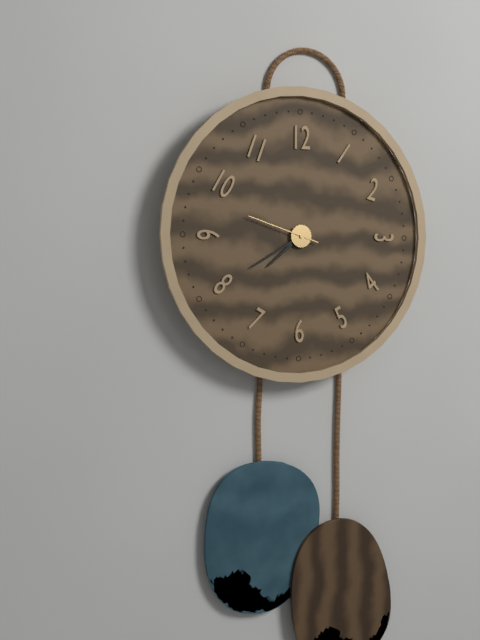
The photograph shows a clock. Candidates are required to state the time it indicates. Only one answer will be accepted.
7:40:48
